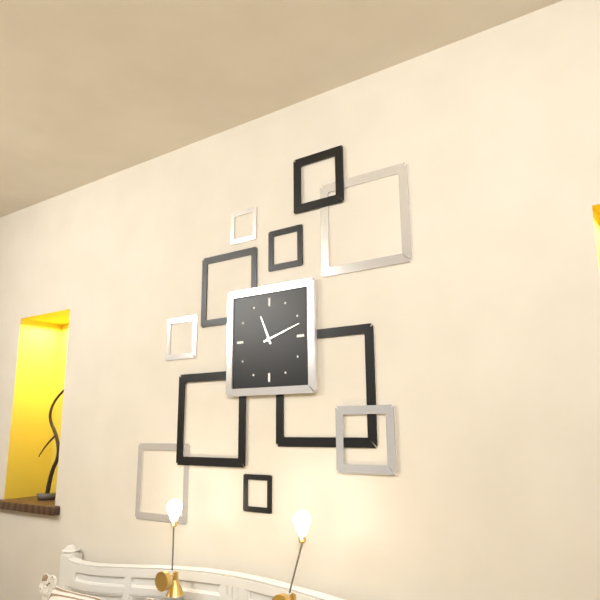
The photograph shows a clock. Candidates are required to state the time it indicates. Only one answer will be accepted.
11:12
